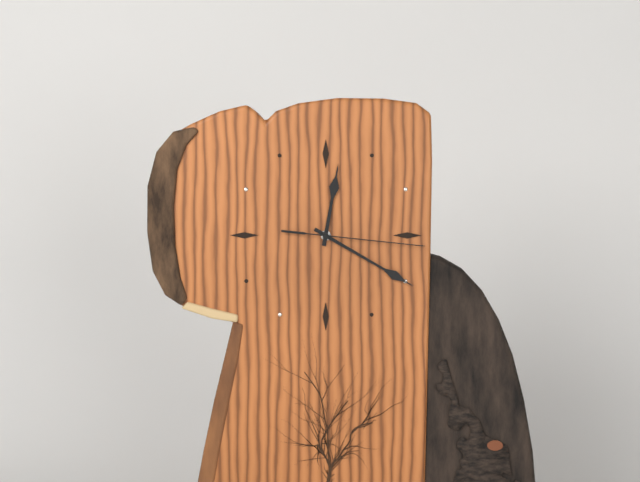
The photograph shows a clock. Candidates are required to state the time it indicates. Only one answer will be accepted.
12:20:16
